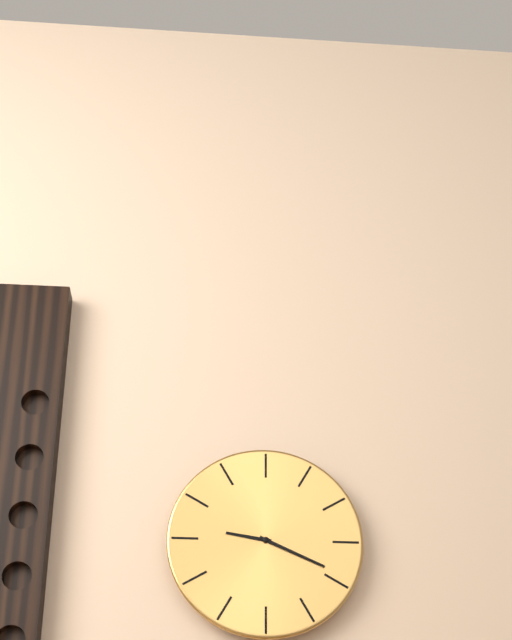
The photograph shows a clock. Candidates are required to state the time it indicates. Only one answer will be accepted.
9:19
